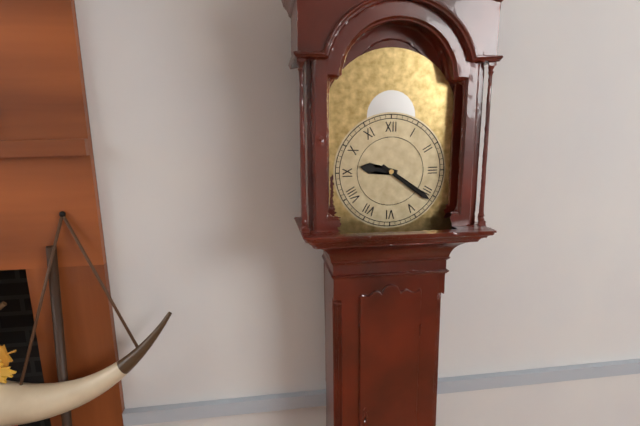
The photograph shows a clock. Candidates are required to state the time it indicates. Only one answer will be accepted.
9:21
